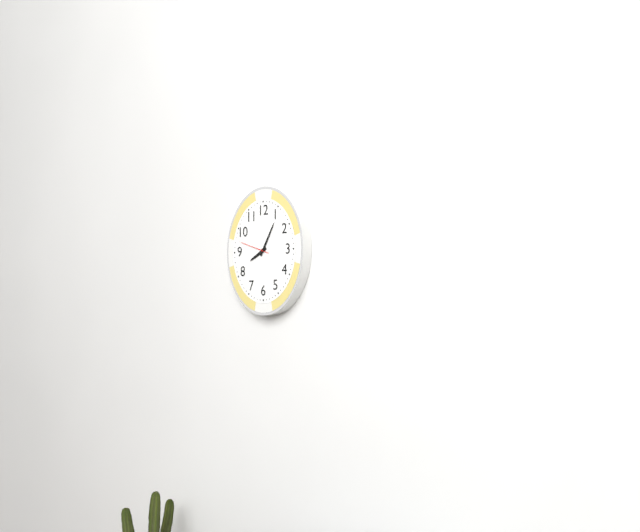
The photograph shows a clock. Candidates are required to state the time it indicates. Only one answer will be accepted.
8:05
